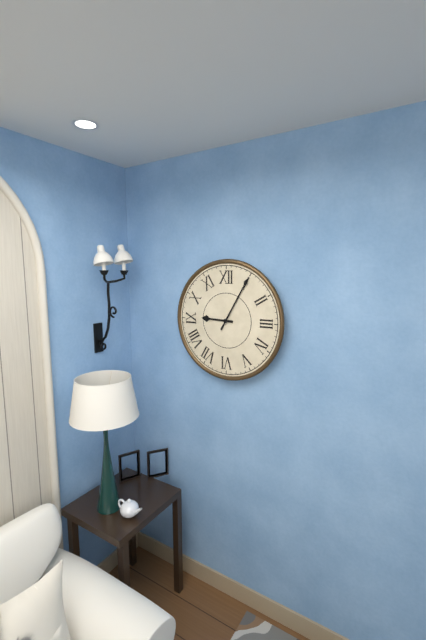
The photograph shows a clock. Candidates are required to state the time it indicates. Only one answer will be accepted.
9:05
